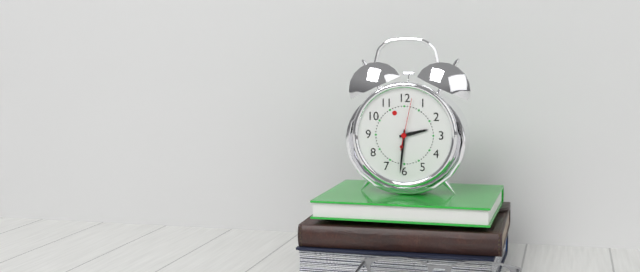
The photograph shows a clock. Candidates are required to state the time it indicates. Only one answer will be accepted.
2:31
